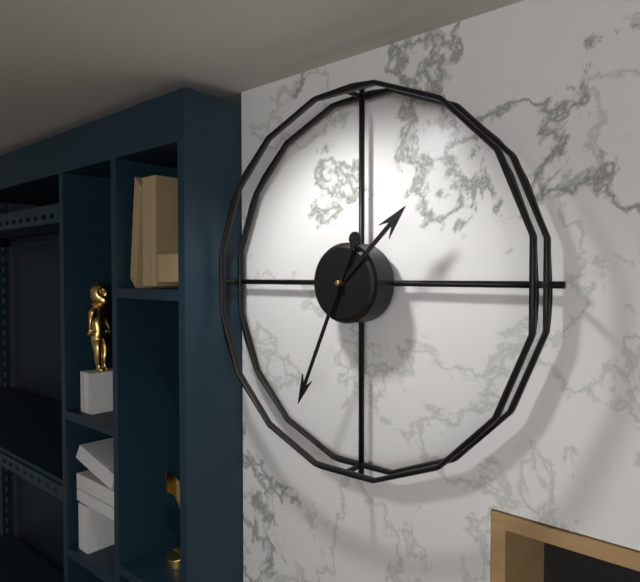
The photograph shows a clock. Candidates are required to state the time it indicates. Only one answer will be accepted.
1:34
